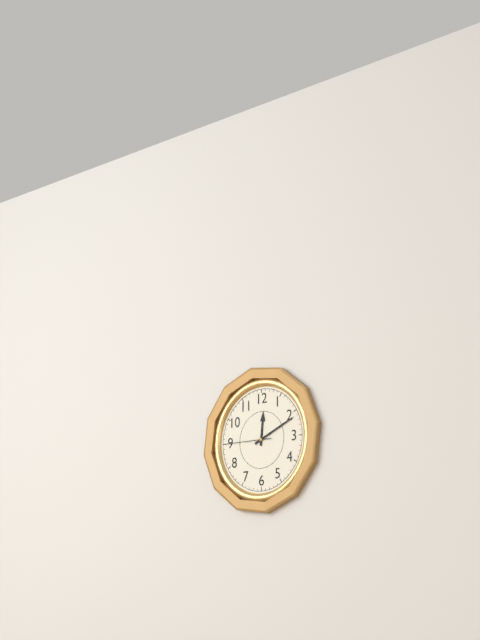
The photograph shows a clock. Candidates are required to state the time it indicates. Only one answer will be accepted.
12:11
